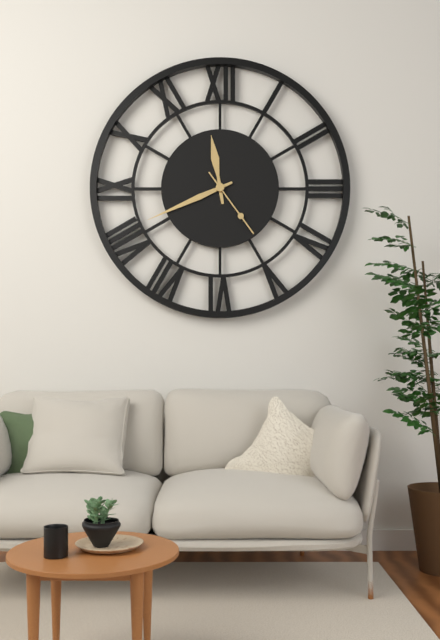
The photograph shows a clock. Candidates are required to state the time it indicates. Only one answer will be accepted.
11:41:24
